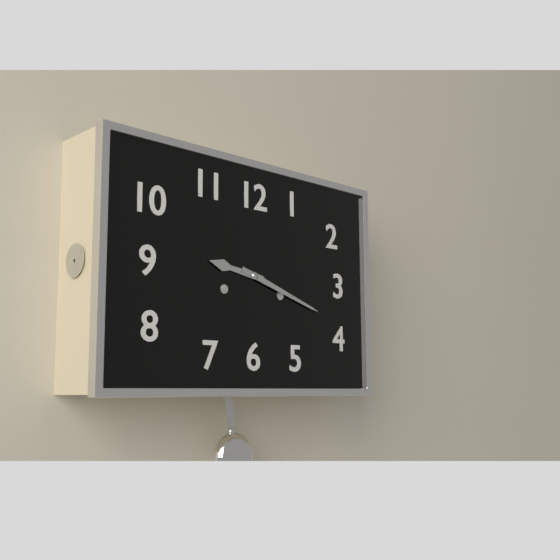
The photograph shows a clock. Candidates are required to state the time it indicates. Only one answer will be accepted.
9:18
